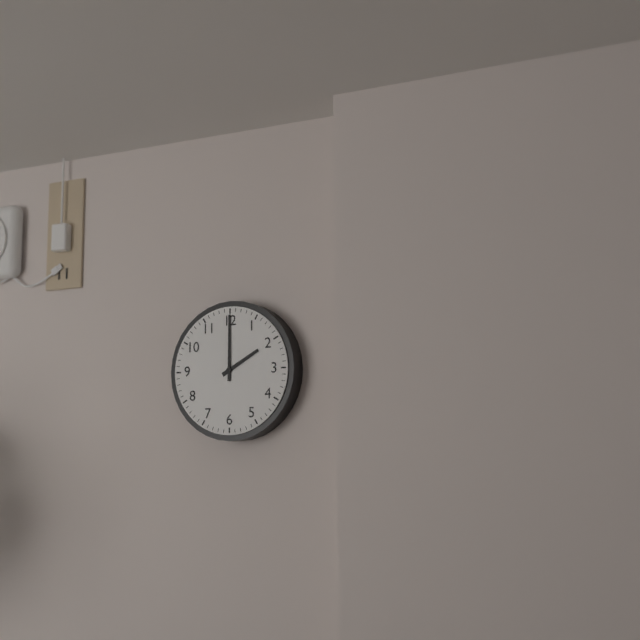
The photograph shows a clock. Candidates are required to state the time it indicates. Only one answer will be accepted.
2:00
